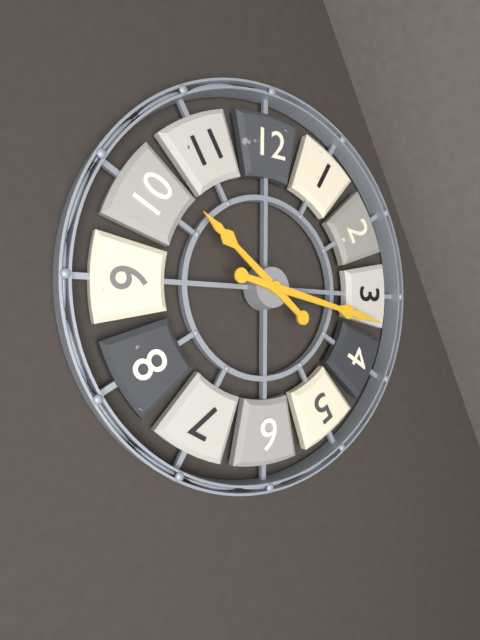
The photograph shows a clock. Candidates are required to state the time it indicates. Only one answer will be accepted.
10:17
